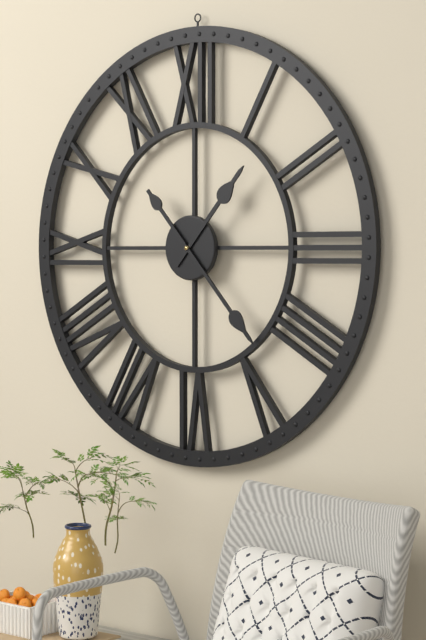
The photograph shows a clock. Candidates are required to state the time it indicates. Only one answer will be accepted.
1:23
